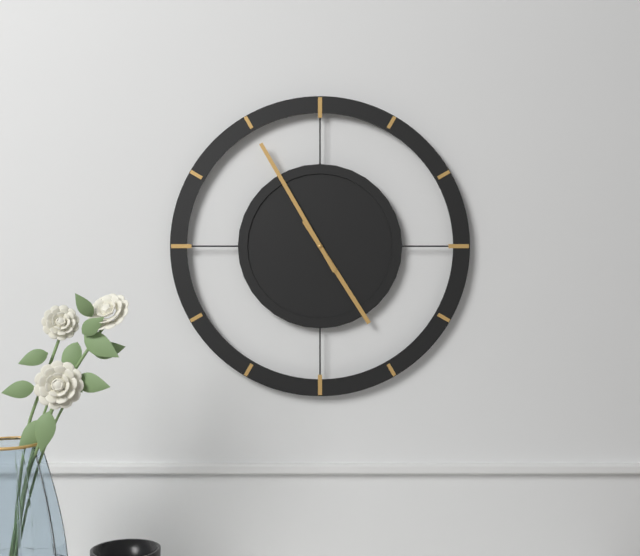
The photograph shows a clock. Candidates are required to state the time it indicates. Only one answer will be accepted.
4:55
